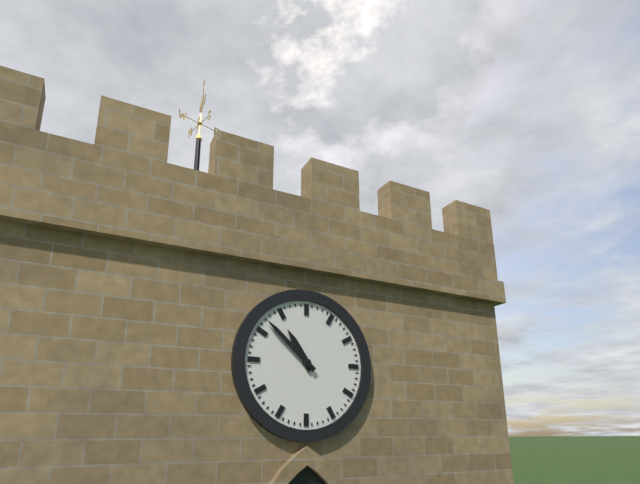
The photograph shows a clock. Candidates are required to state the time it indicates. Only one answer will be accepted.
10:52
